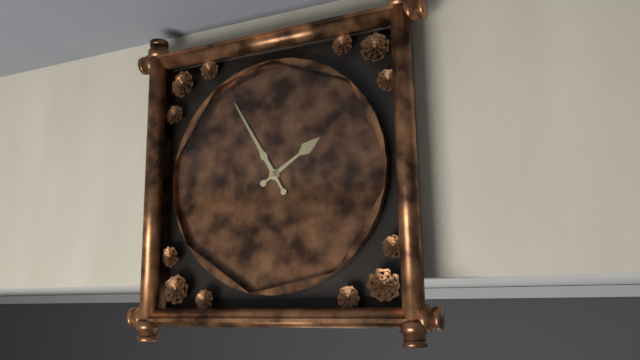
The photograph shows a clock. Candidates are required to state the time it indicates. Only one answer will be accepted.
1:55
